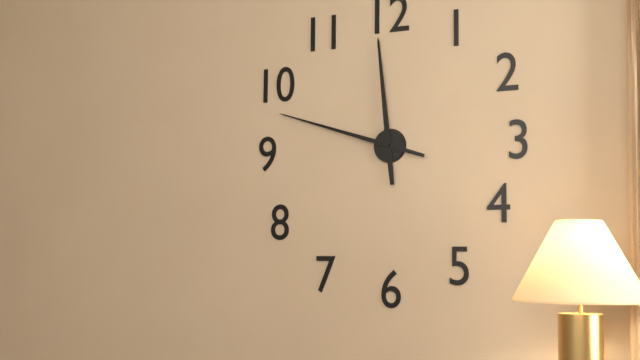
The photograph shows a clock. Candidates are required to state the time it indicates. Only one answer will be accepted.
11:48
